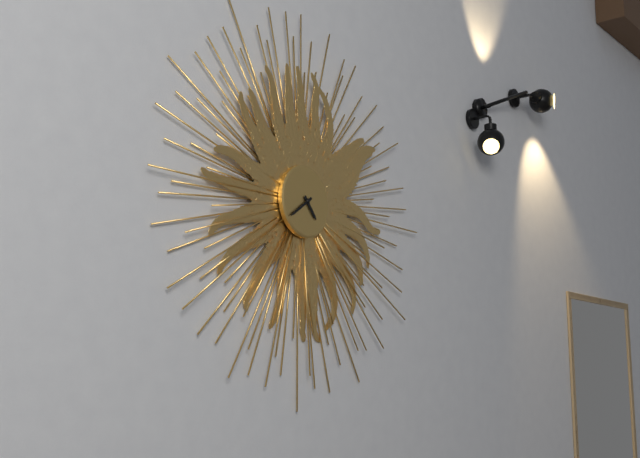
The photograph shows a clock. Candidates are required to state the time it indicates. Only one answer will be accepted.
4:39
